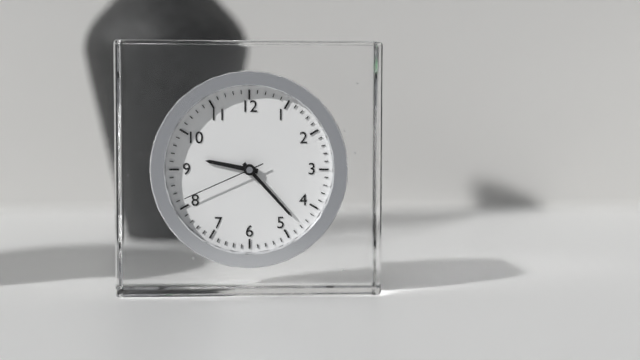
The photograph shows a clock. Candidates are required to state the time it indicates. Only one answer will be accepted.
9:23:41
